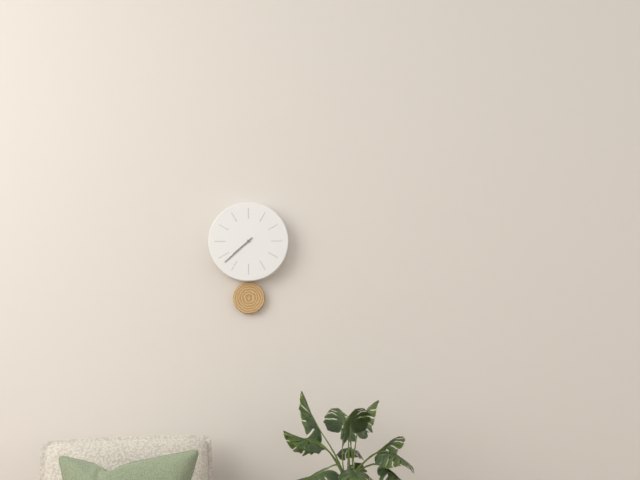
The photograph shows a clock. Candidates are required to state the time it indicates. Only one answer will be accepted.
7:38
